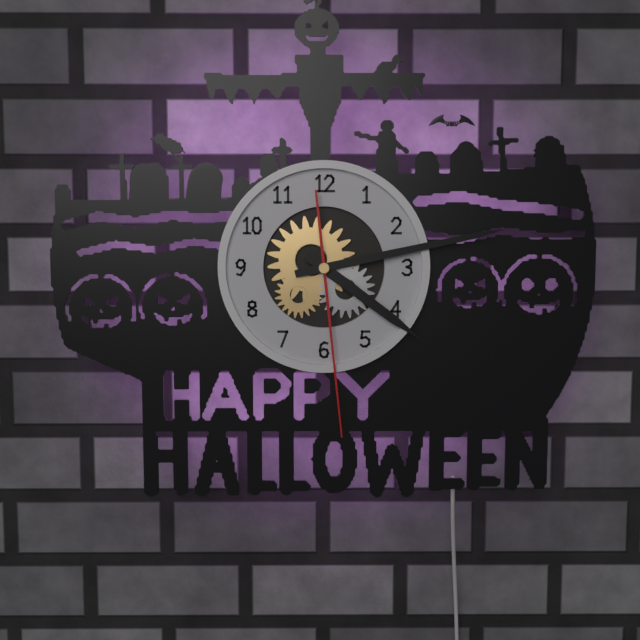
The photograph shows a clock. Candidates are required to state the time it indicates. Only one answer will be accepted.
4:13:29
